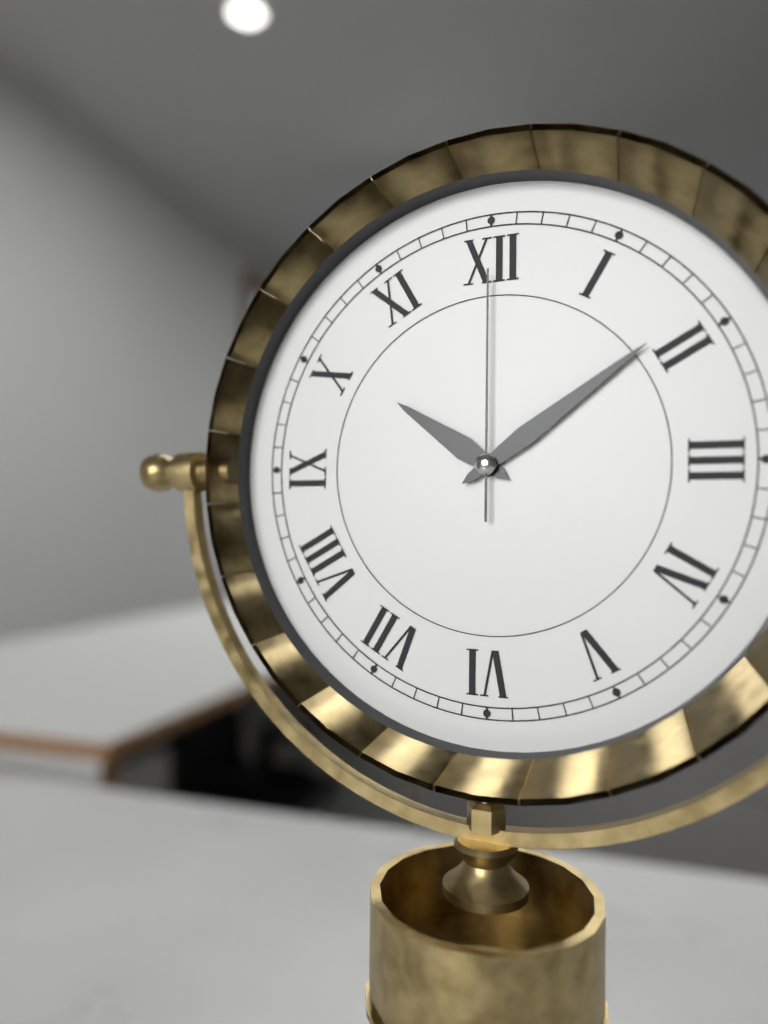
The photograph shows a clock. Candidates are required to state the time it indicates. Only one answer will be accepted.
10:09:00
